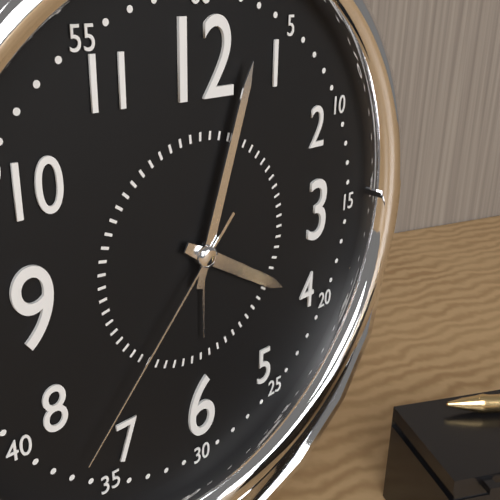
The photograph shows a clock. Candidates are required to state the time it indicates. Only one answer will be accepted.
4:03:37
